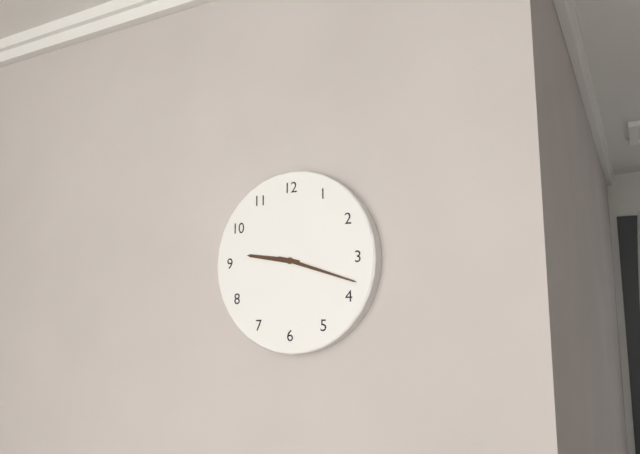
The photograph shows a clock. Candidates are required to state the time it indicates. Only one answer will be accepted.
9:18
